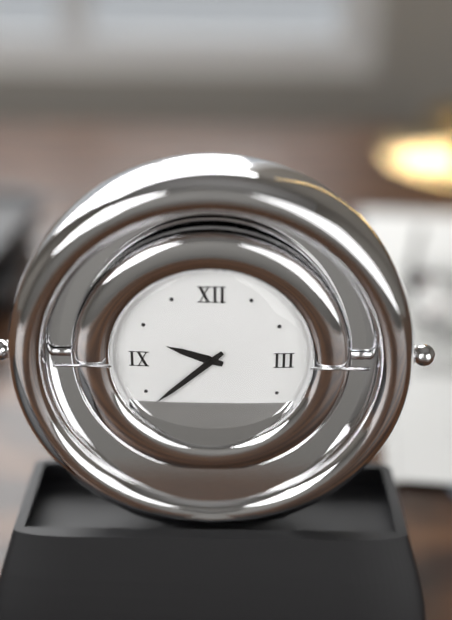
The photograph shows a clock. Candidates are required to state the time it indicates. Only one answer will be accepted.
9:38
